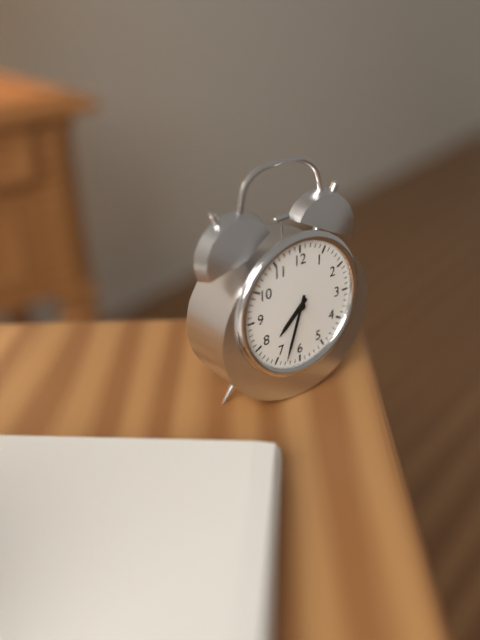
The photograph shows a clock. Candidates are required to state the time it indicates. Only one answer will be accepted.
7:33
